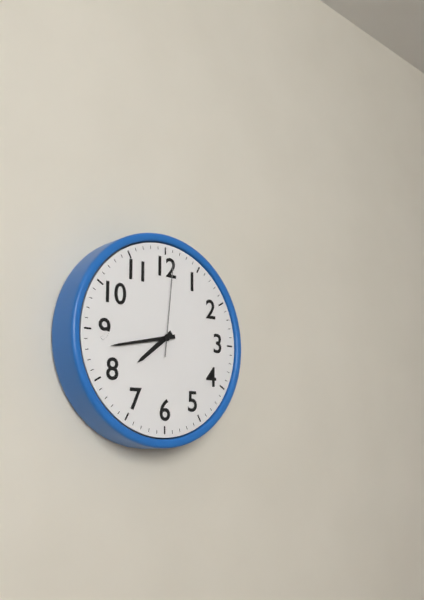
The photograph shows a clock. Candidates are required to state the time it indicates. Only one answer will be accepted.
7:43:01
